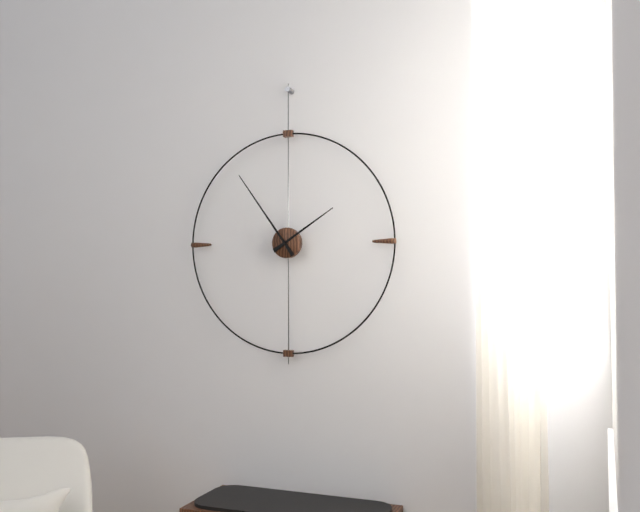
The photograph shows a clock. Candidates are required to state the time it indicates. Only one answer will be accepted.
1:54
